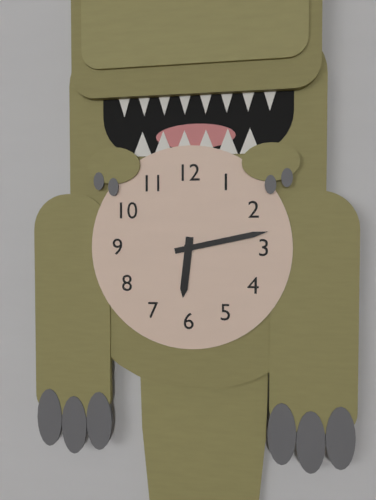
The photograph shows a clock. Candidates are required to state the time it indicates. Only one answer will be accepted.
6:13
